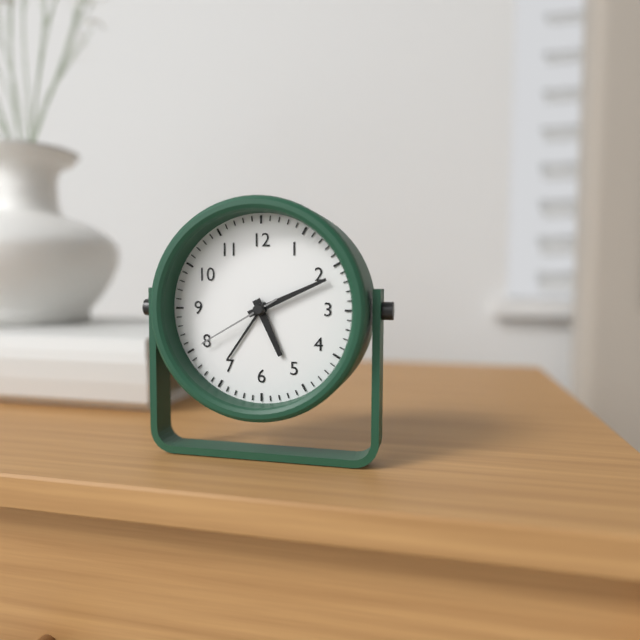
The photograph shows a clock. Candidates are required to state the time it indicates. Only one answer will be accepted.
5:11:40
